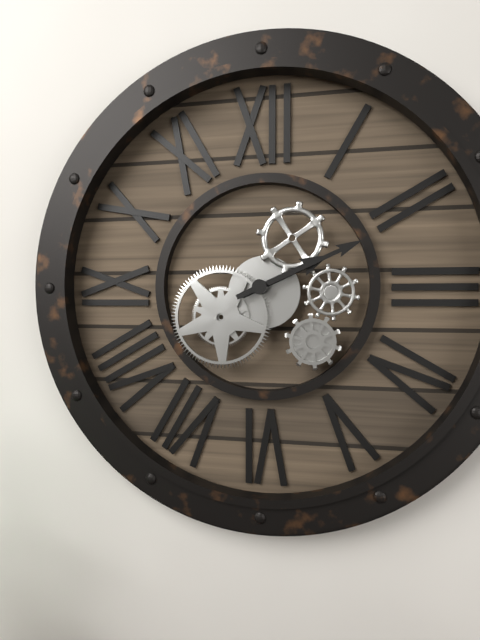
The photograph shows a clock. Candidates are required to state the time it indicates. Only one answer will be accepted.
2:11
